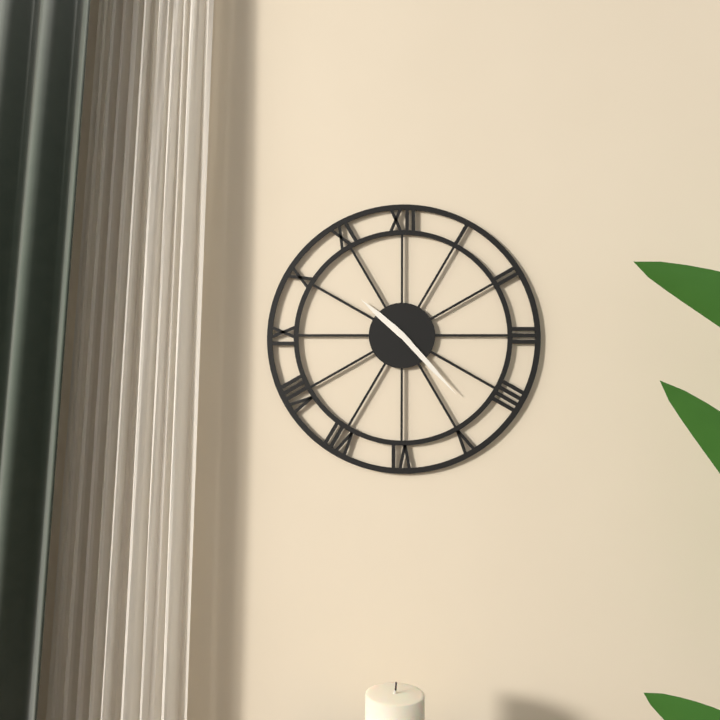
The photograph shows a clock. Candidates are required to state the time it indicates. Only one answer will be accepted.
10:23
